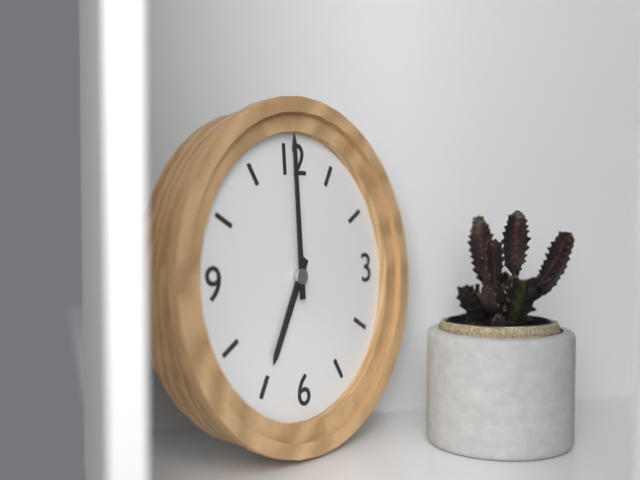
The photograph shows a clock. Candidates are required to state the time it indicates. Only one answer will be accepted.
7:00
